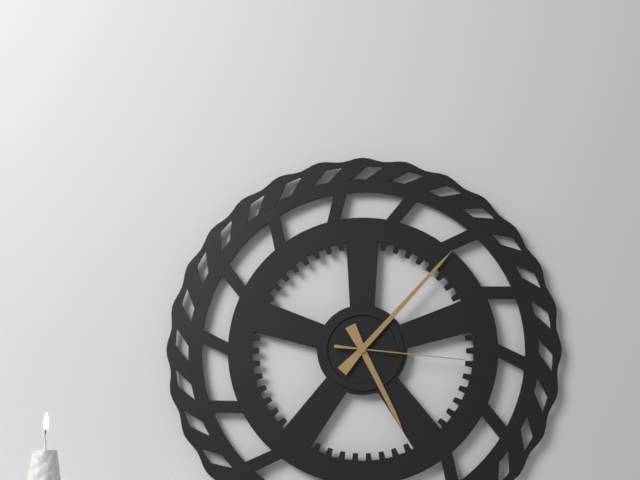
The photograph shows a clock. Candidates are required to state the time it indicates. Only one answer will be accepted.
5:07:16
